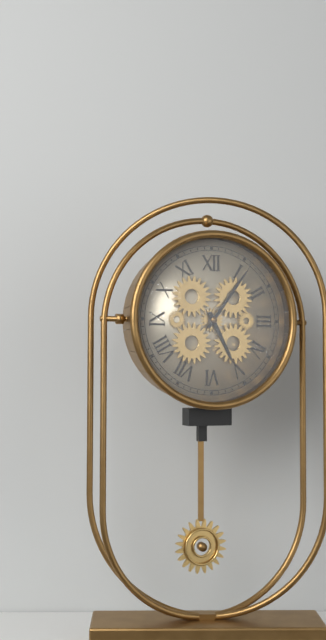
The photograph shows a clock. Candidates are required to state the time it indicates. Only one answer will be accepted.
5:06
